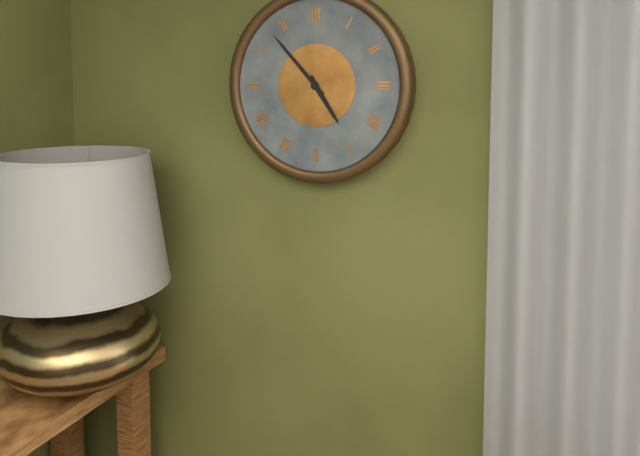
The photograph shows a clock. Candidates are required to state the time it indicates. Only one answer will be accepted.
4:53
